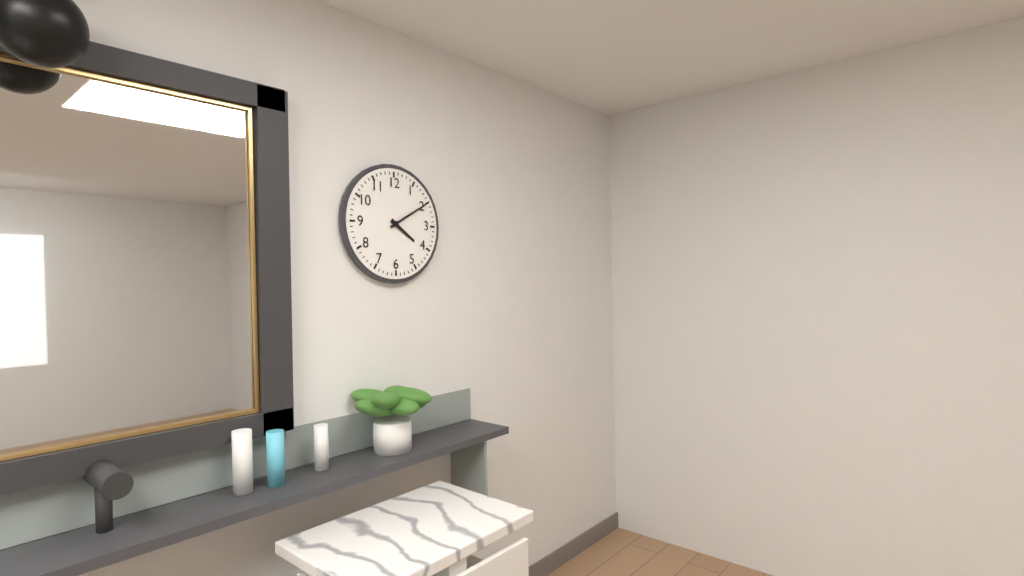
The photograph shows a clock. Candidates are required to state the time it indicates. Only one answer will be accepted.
4:10
